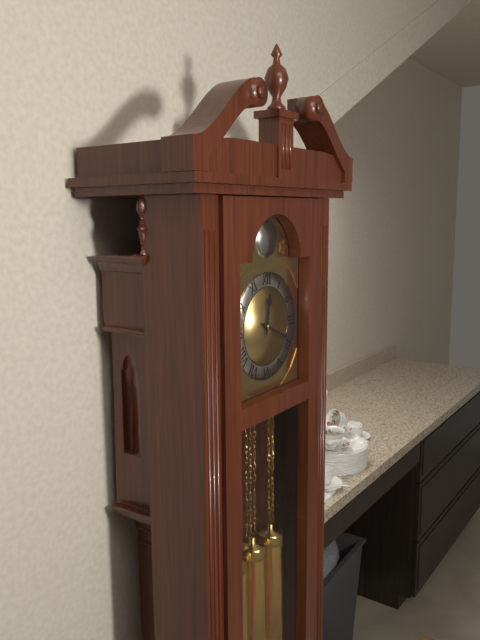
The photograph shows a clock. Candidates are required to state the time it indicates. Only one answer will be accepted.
12:19
